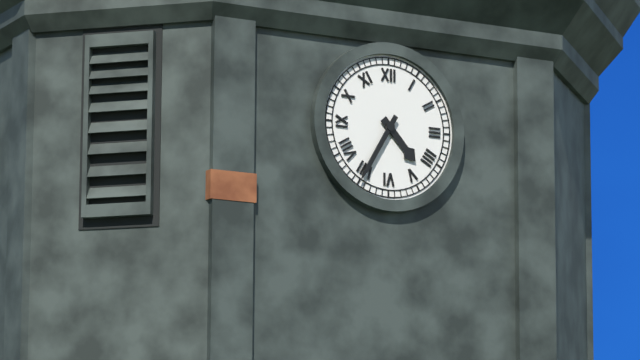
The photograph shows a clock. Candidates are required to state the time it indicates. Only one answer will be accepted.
4:35
